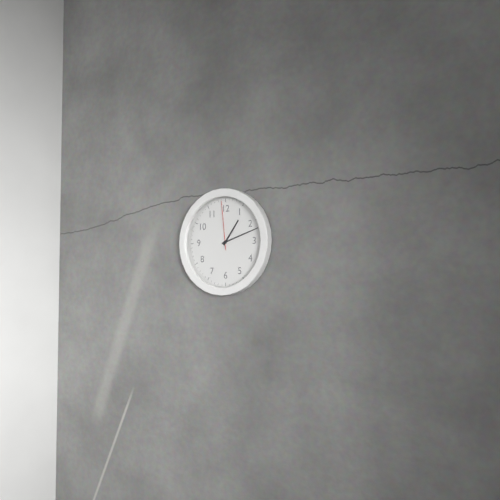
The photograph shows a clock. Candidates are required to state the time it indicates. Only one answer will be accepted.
1:12:59
